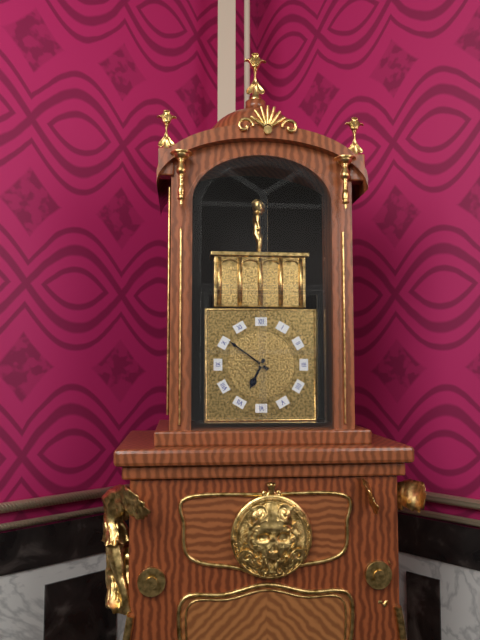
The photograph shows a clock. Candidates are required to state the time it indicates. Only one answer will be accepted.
6:51
